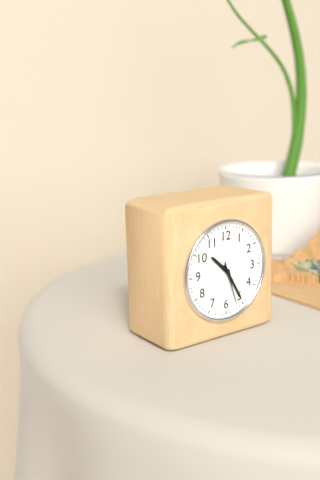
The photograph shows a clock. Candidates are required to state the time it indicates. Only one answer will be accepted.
10:25
